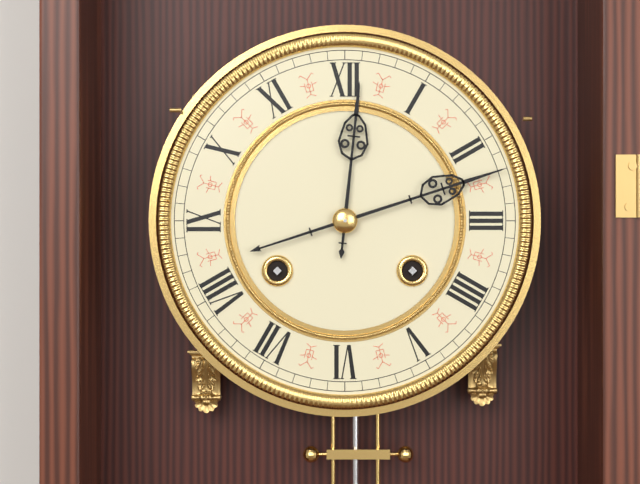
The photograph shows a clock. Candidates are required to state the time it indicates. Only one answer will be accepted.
12:12
